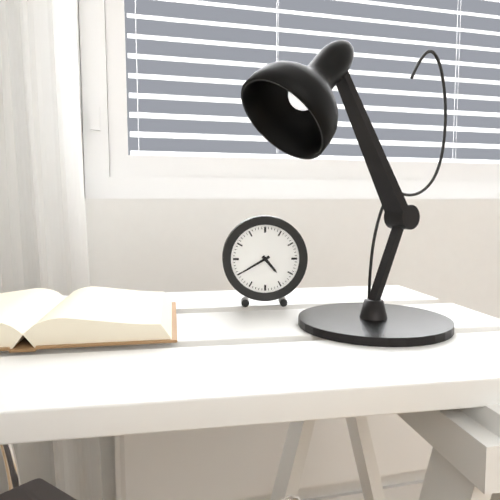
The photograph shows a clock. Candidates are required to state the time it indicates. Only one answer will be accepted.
4:40
